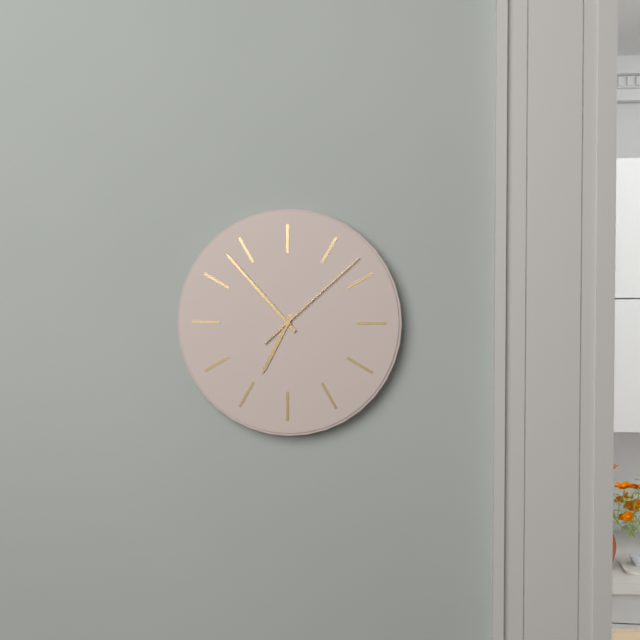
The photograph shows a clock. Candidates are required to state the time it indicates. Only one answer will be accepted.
6:53:08
